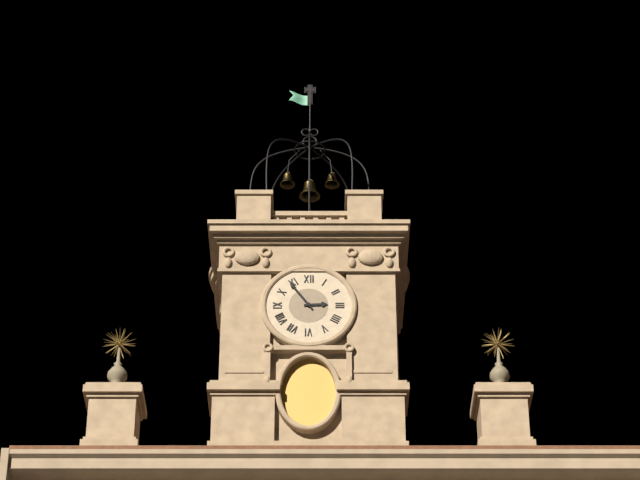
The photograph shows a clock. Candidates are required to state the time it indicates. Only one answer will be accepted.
2:54
